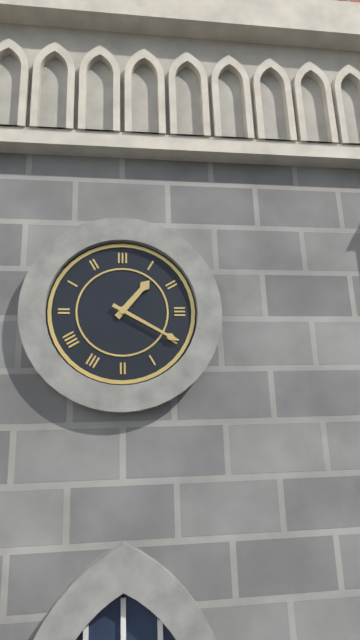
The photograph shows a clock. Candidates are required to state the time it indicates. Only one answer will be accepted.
1:20
